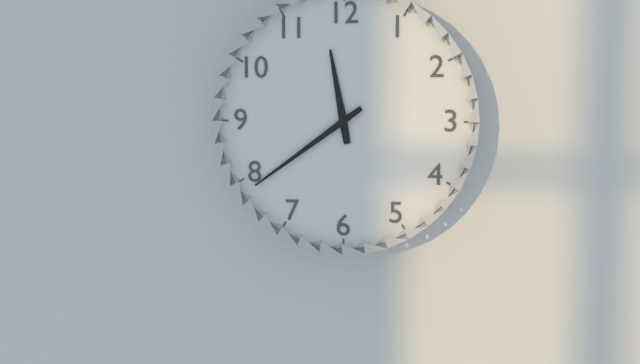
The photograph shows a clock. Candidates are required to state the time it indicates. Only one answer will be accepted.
11:39
